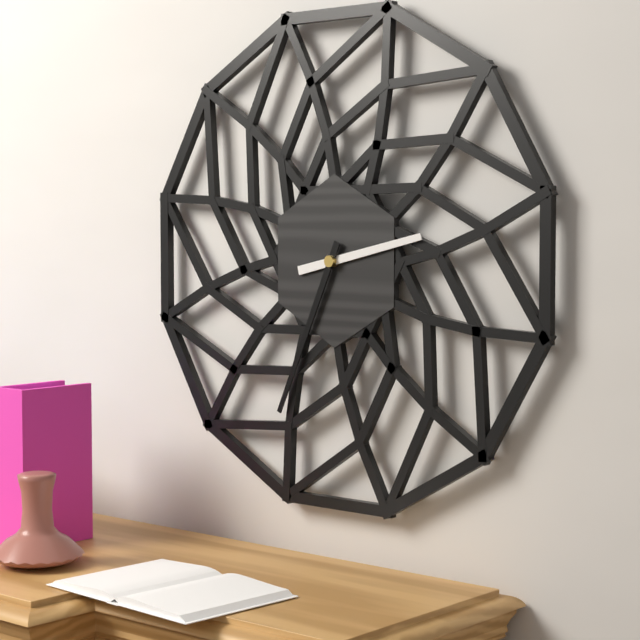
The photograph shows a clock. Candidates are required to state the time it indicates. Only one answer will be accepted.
2:34
